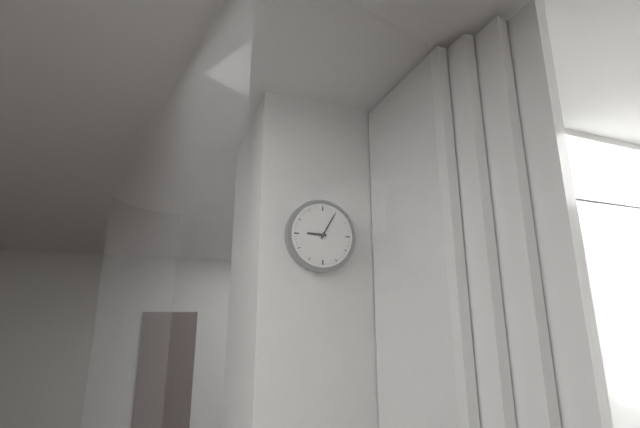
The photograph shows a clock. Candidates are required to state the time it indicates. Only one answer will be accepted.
9:05
